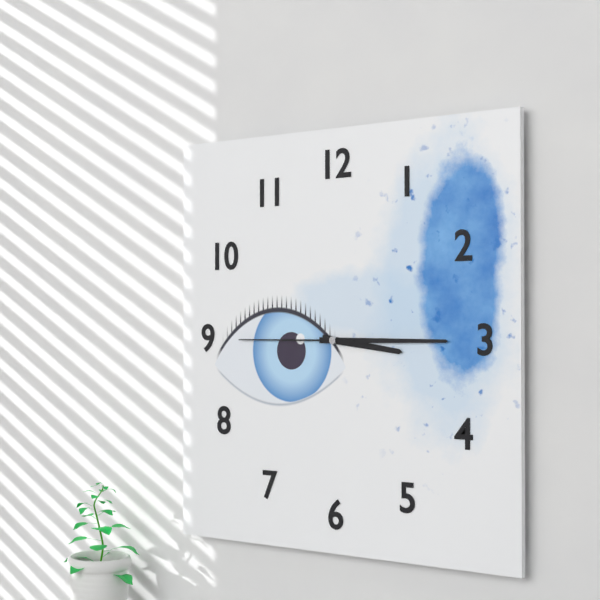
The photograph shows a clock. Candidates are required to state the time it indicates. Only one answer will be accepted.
3:15:45
